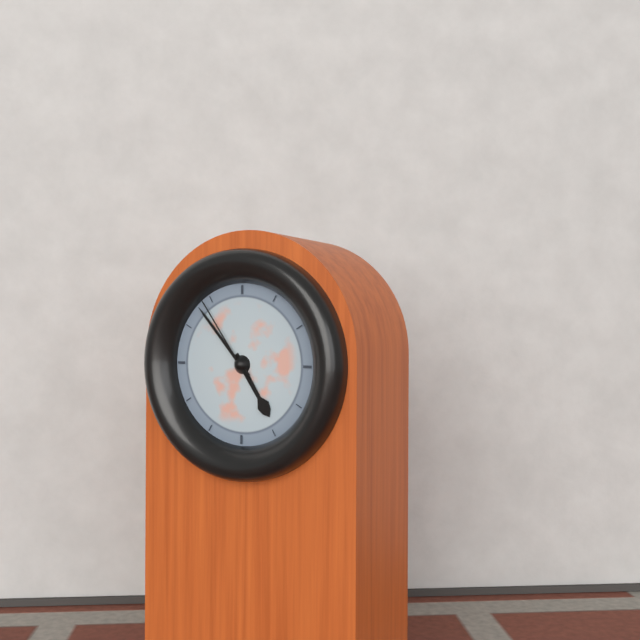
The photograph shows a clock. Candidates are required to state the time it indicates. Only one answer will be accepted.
4:53:54
